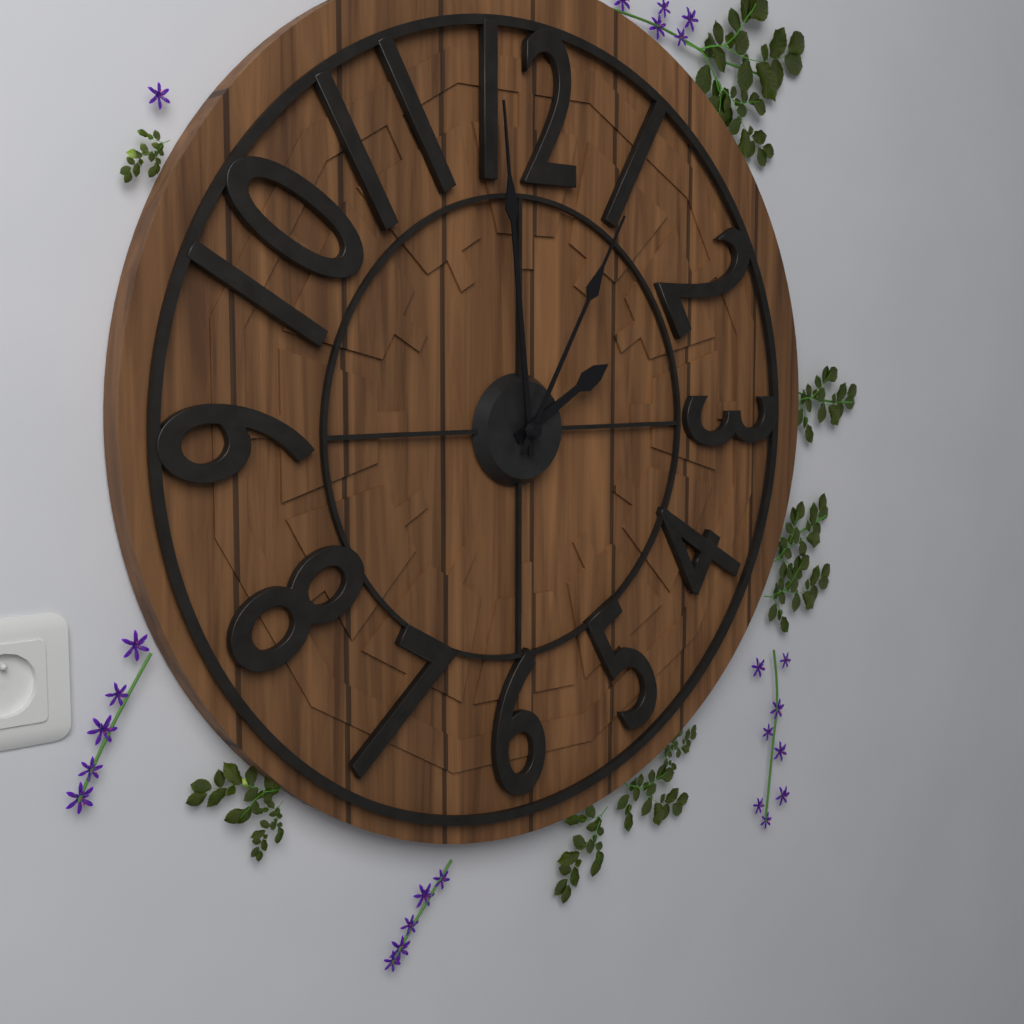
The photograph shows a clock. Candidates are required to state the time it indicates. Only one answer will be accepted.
1:59:05
